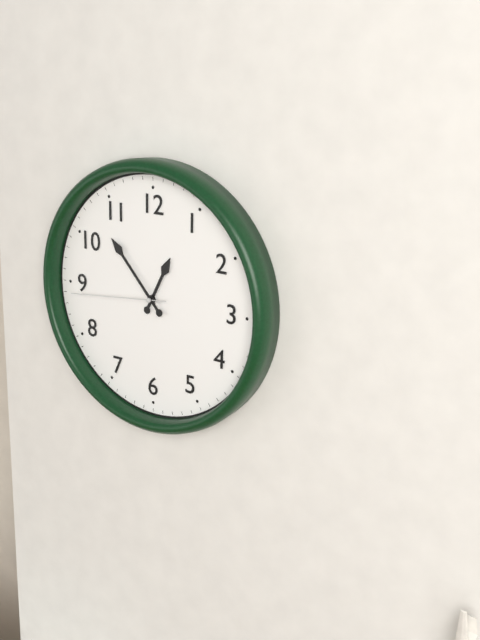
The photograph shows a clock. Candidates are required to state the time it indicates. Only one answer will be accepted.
12:53:44
